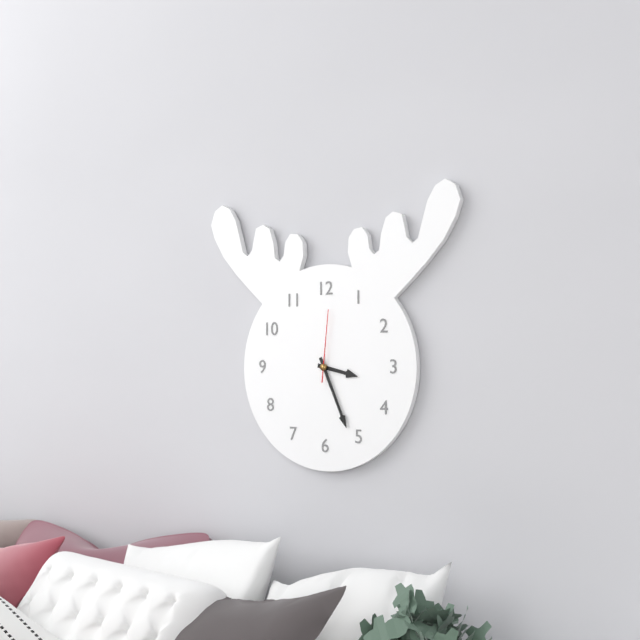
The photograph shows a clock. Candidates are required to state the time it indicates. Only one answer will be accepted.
3:26:01
